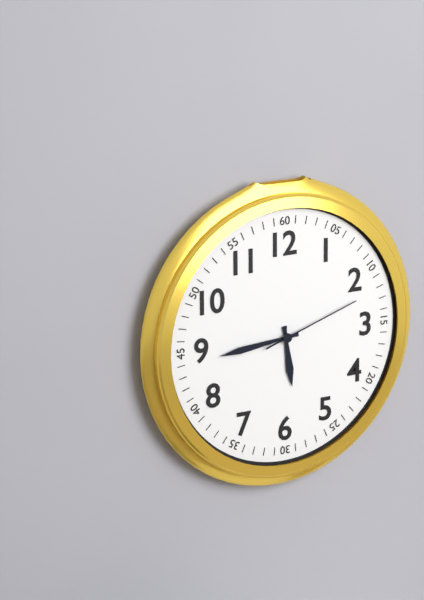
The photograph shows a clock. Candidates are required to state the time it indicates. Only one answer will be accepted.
5:44:12
